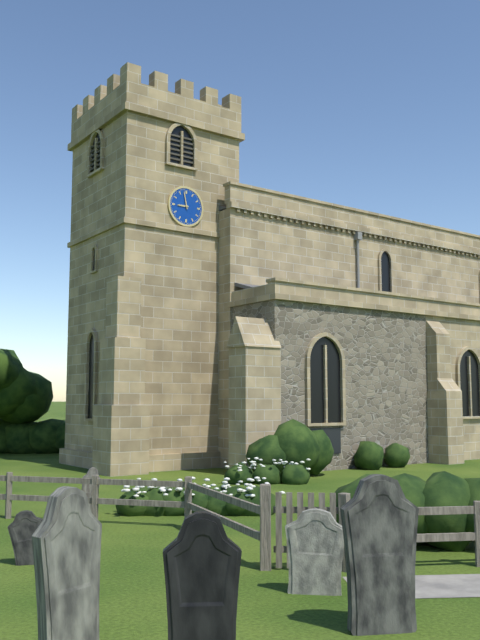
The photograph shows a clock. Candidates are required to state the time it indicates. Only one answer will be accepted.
8:58
